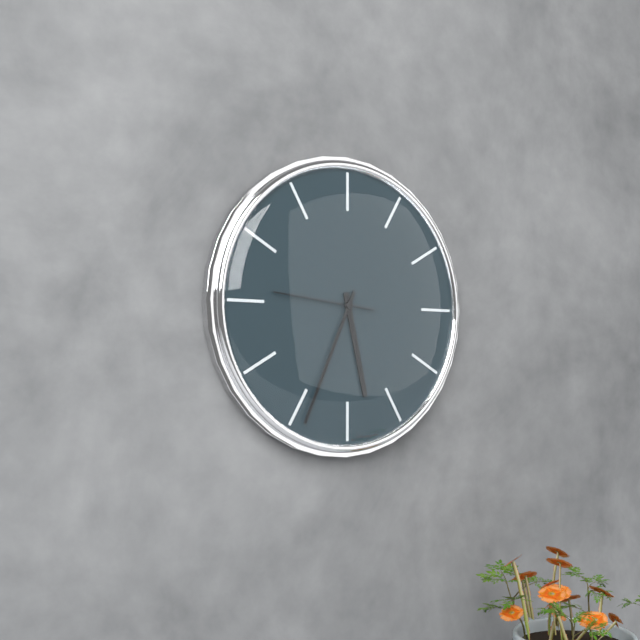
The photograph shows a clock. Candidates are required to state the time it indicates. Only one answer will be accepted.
5:34:46
